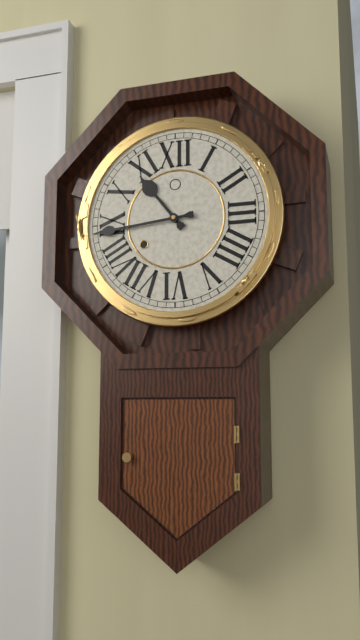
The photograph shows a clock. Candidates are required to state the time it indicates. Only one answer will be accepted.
10:44
